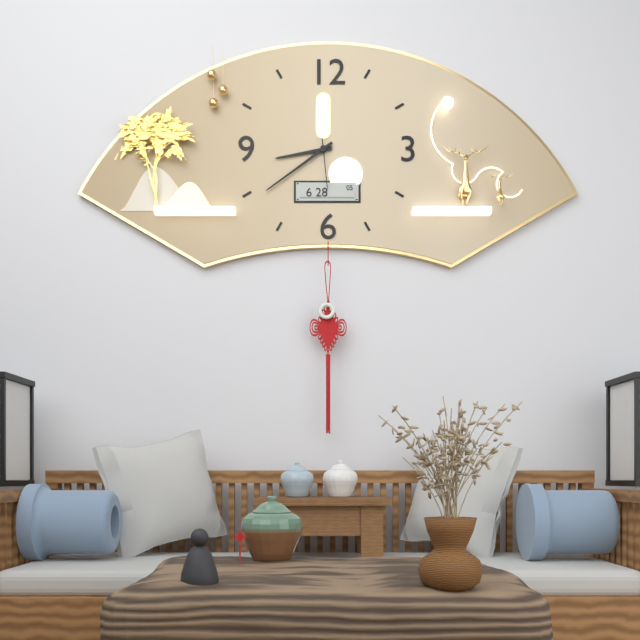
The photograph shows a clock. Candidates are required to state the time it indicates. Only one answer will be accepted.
8:39:29
